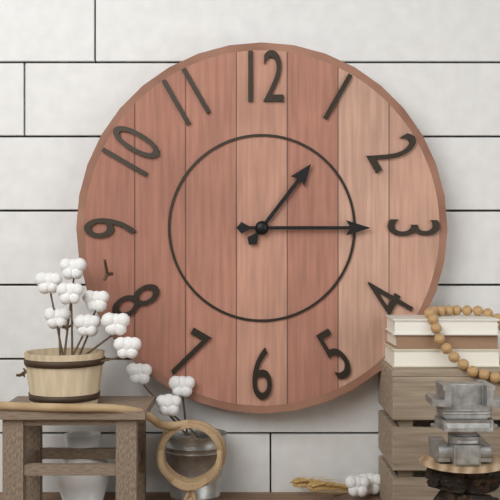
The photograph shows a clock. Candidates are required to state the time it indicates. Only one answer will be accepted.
1:15
